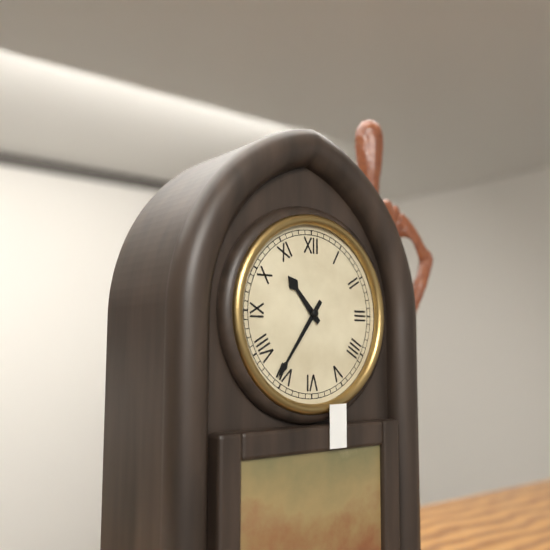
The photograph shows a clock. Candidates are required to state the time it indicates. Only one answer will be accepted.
10:36
